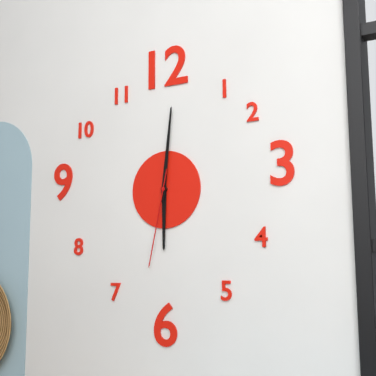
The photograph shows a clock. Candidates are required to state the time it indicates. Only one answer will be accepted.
6:01:32
